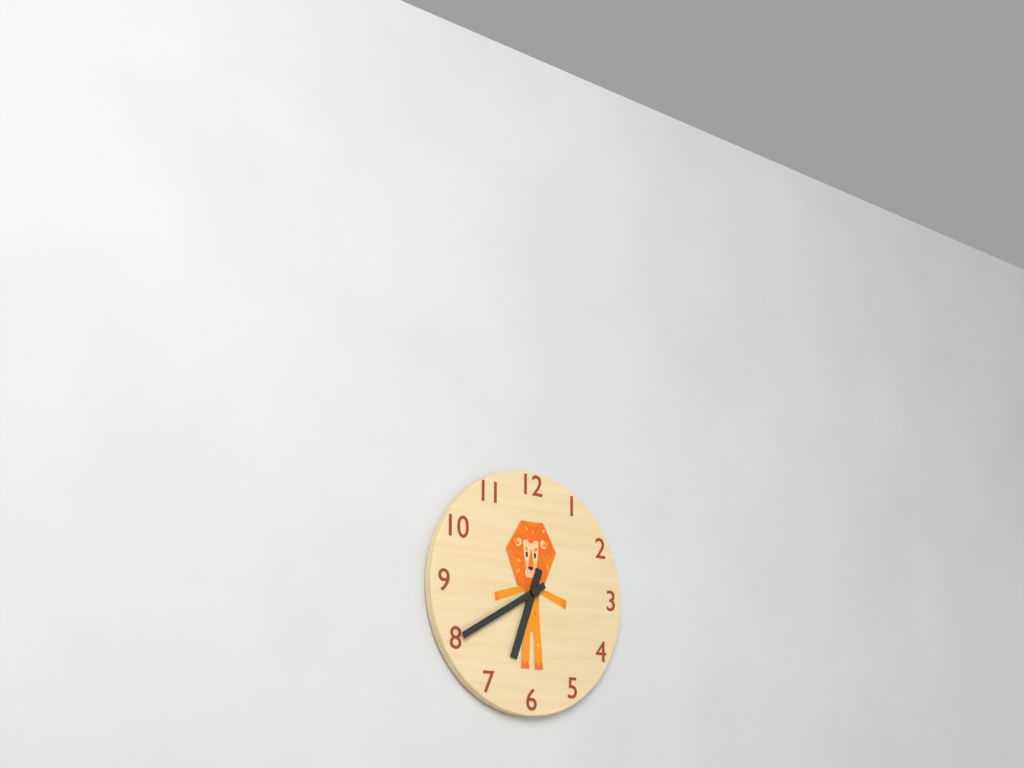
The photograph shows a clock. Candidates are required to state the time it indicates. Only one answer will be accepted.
6:40
